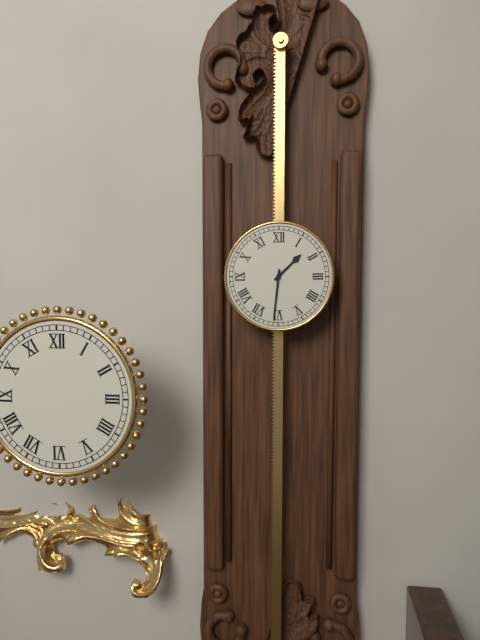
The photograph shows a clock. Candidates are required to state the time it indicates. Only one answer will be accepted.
1:31
